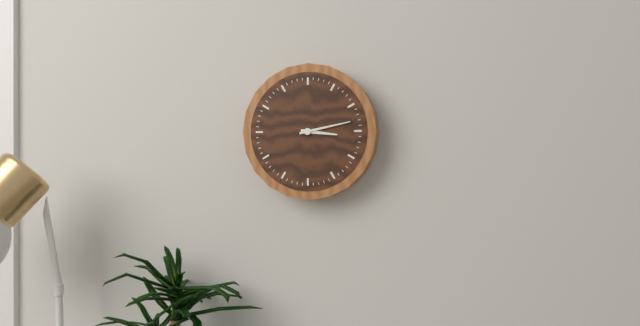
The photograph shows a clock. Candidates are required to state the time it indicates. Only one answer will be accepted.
3:13
